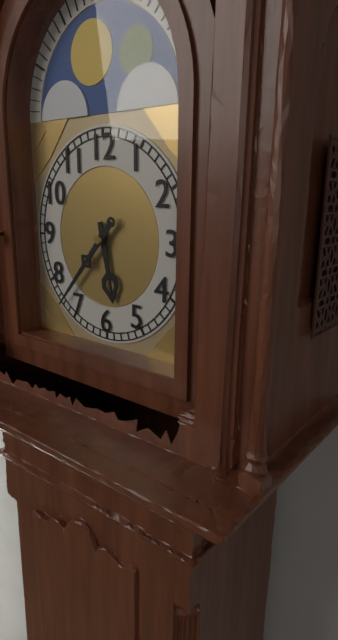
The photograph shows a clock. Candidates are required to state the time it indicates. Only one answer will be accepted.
5:37
